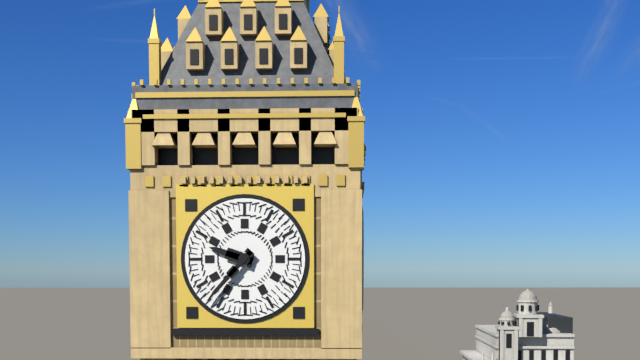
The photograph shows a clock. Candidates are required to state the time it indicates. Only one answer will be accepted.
9:37
